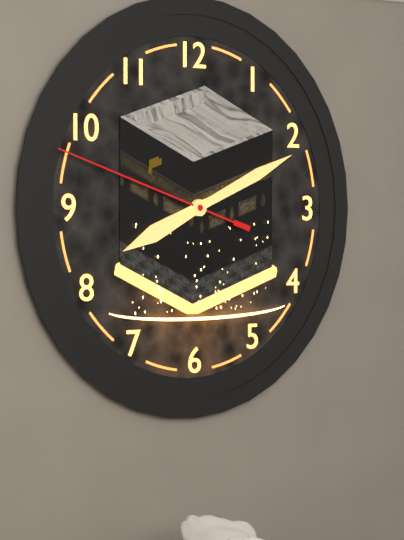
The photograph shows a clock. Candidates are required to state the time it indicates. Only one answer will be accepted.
8:11:48
